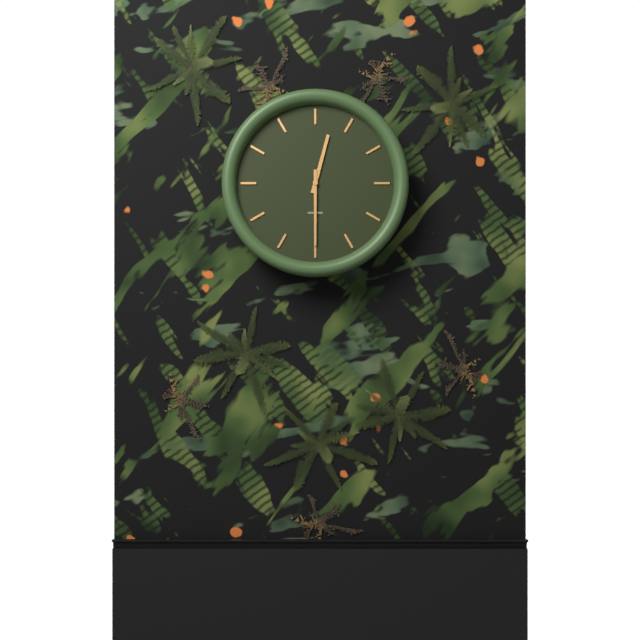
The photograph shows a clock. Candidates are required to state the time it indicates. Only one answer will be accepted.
12:30
